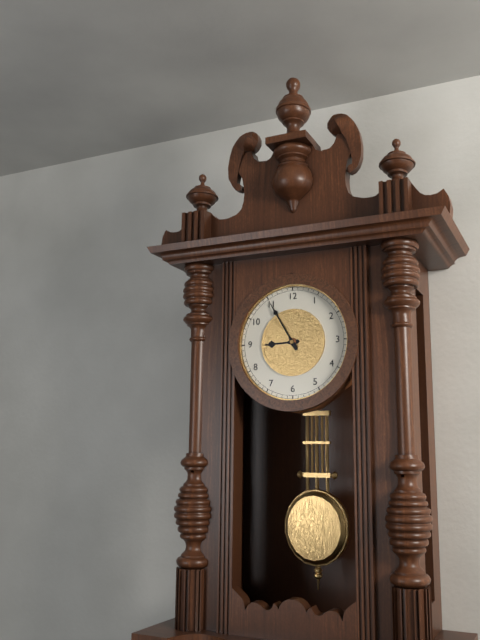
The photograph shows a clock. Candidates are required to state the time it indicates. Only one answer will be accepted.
8:55
